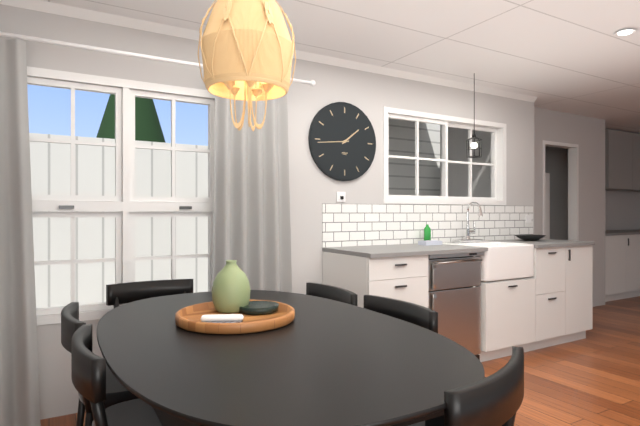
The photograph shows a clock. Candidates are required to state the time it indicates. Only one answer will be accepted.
1:44
